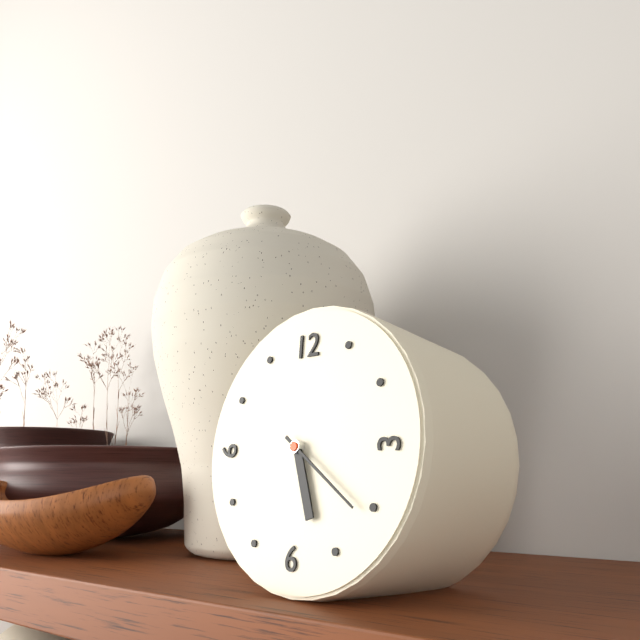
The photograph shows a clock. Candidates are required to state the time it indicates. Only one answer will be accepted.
5:21
